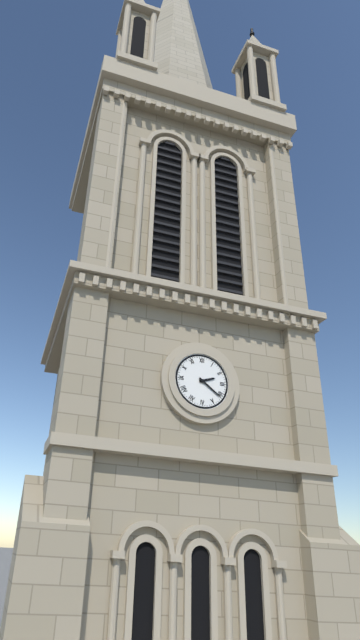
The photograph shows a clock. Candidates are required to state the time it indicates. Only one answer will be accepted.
2:21
